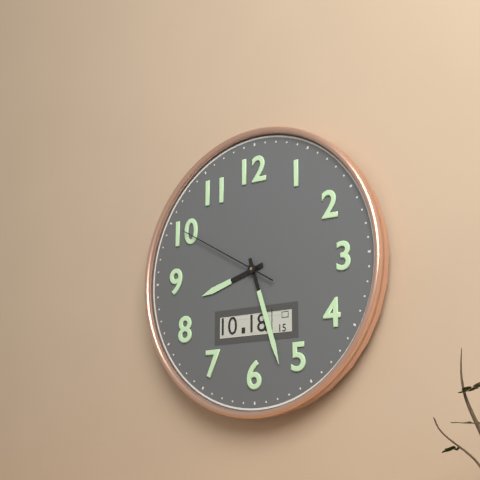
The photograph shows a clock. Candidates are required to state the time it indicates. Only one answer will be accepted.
8:27:50
